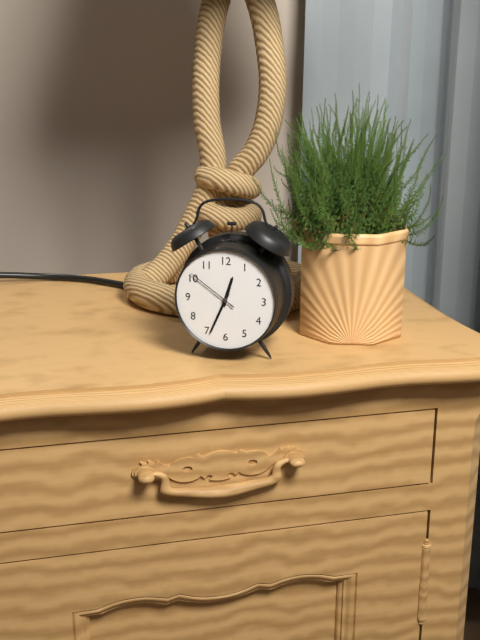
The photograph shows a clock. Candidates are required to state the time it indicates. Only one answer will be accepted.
12:34:51
